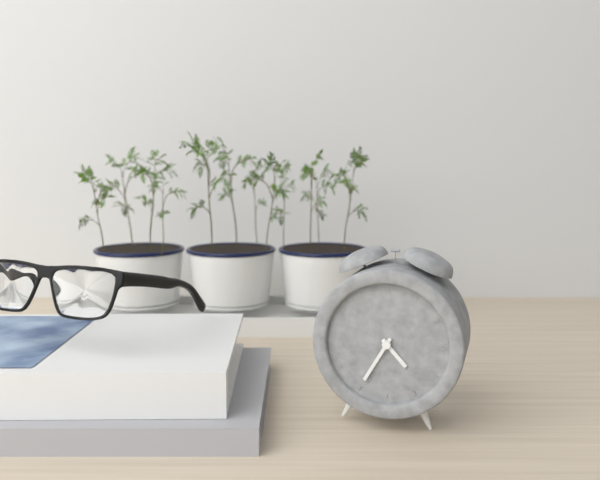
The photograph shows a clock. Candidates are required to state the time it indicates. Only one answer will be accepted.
4:35
